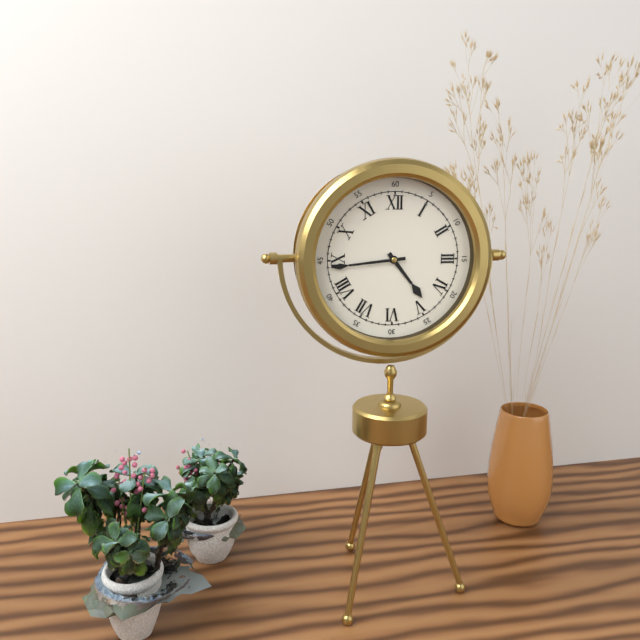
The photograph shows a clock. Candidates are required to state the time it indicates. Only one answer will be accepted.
4:44
